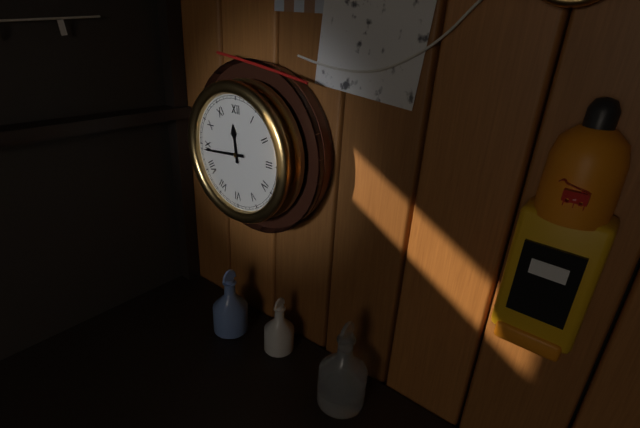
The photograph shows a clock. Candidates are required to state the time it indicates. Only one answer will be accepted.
11:44
